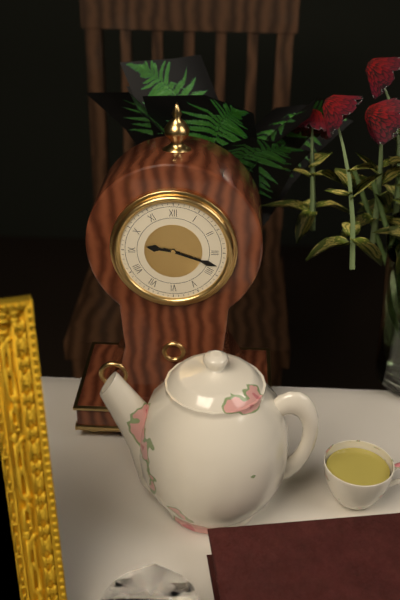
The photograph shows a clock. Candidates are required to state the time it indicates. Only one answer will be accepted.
9:18
